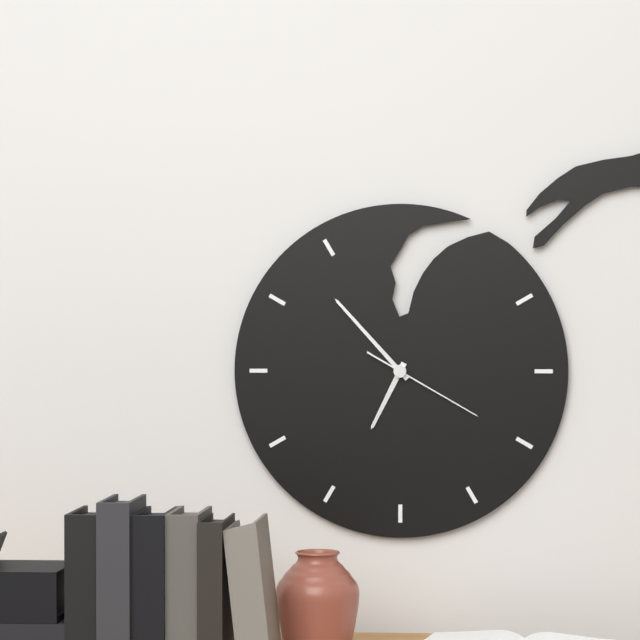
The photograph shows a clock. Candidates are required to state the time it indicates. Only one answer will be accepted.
6:53:20
